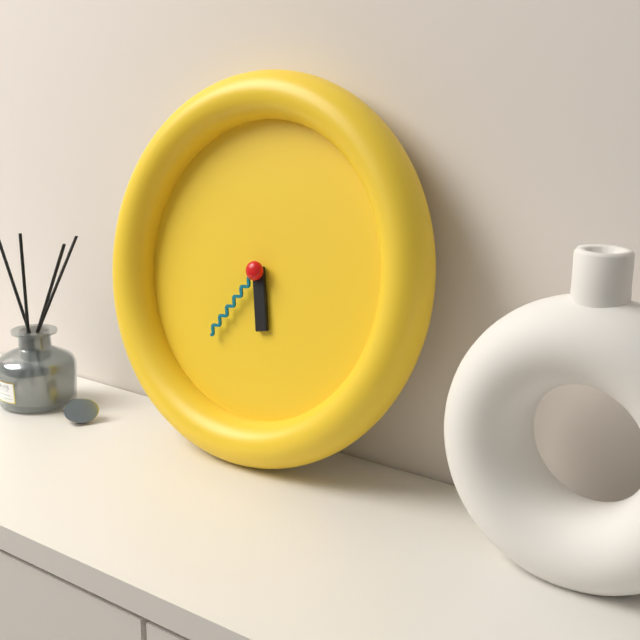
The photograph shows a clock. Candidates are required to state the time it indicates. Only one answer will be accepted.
5:36
